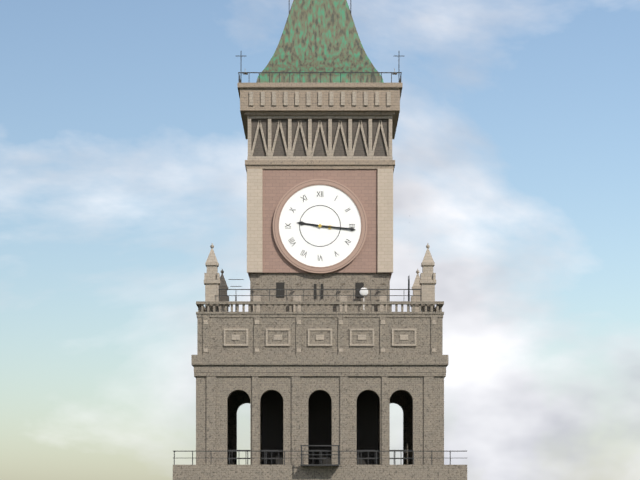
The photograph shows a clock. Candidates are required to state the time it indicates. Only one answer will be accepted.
9:16
